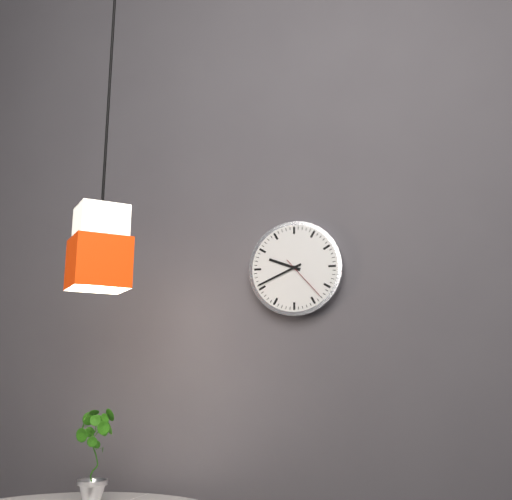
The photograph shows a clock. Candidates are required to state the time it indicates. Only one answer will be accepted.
9:41
